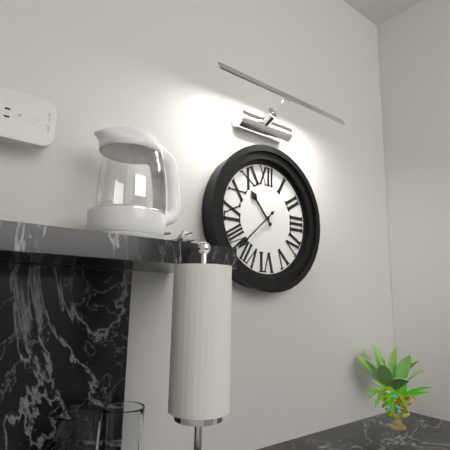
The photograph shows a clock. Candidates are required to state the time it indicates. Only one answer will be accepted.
10:38
